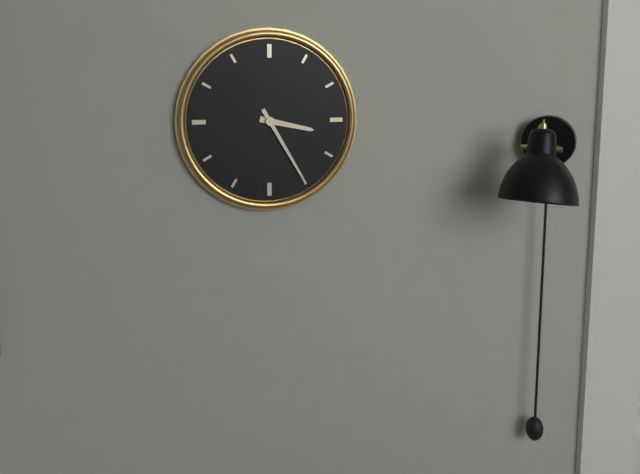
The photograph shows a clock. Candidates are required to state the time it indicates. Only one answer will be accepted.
3:25
